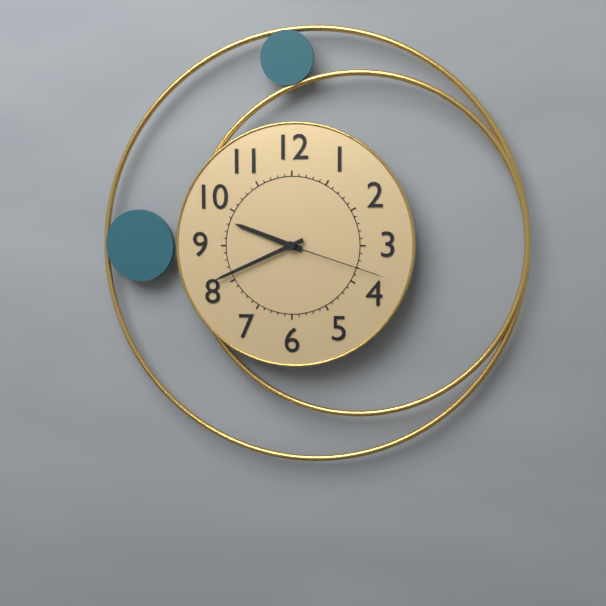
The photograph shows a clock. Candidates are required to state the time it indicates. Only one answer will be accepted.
9:41:18
